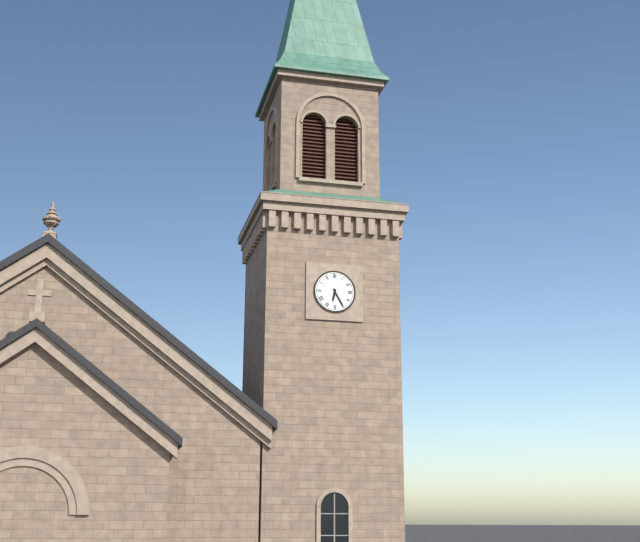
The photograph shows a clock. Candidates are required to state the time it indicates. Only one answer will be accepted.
6:25
